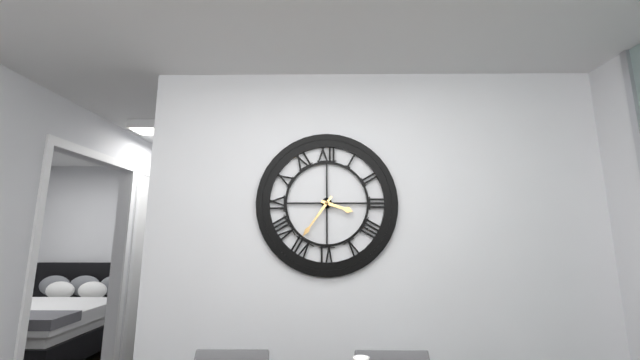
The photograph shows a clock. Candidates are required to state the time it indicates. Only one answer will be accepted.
3:36
